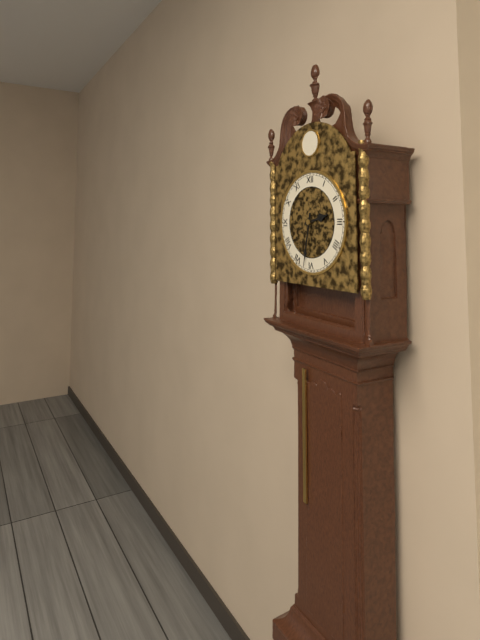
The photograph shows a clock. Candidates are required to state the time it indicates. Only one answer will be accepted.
2:32
